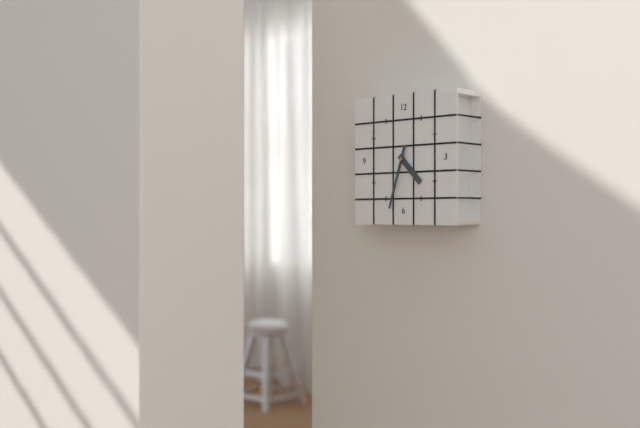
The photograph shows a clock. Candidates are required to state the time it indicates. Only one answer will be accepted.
4:33
